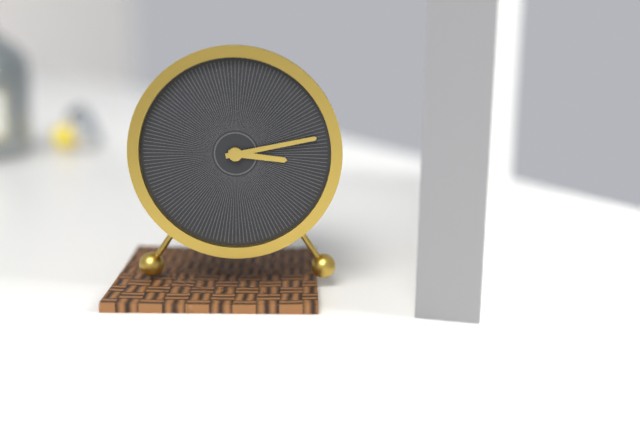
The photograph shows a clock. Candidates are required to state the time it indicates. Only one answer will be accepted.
3:13
